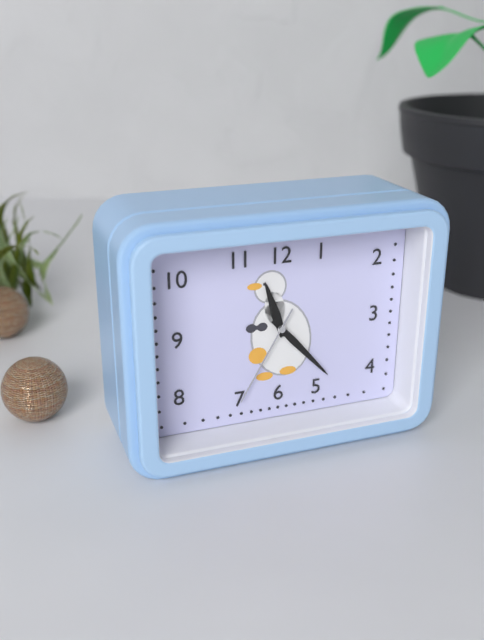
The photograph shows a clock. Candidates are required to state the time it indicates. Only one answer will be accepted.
11:23:35
